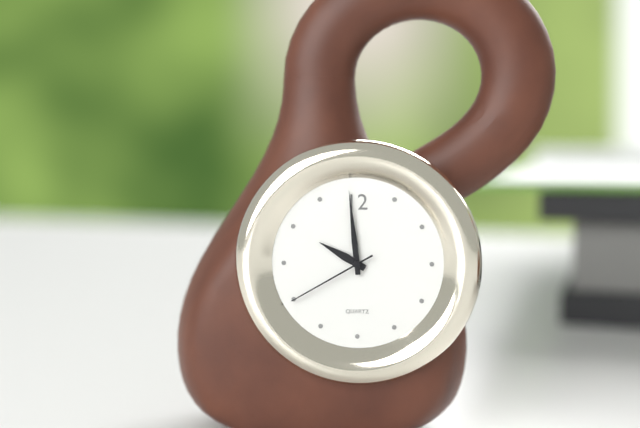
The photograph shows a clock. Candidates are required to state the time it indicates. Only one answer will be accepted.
9:59:40
